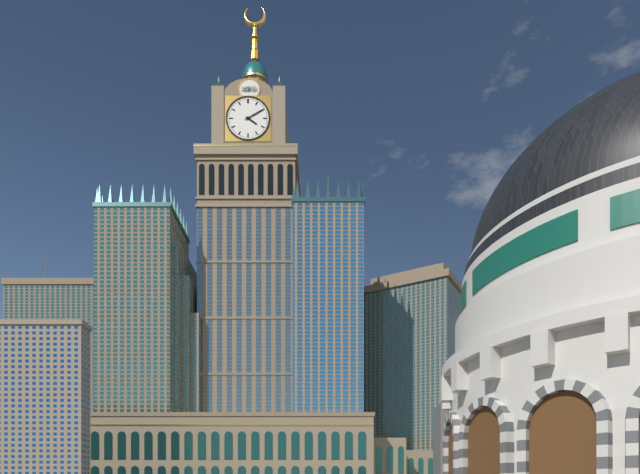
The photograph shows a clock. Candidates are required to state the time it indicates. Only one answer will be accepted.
4:10
